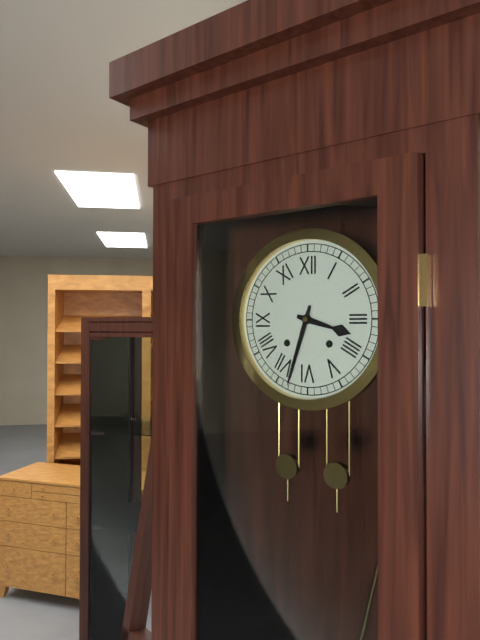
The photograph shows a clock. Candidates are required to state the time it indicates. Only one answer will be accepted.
3:33
